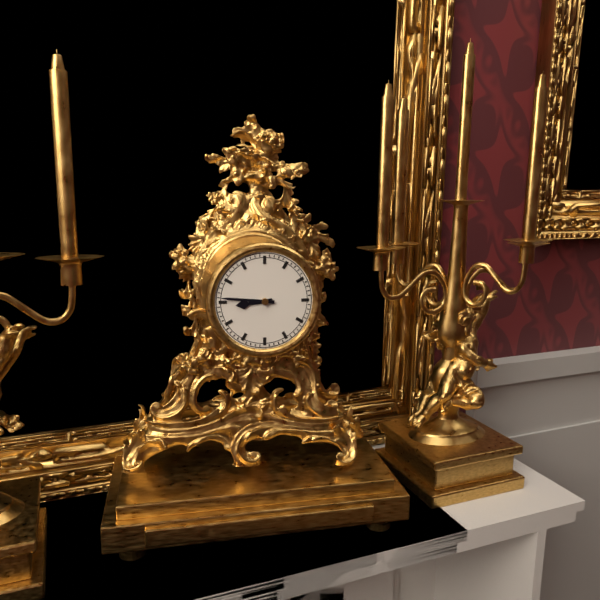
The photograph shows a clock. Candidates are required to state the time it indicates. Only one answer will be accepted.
8:46
